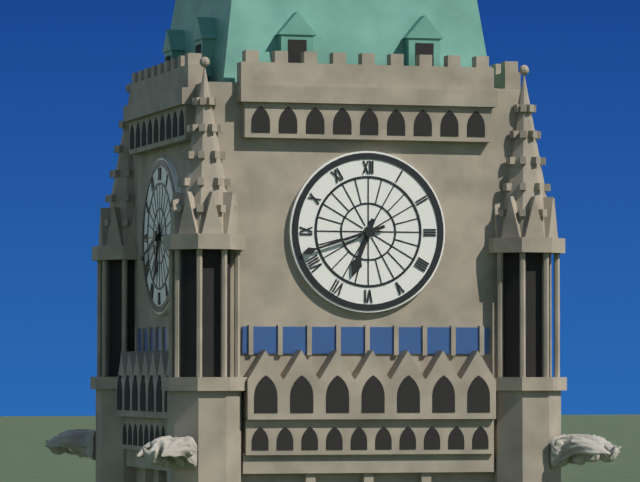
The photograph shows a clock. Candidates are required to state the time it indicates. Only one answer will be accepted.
6:42
